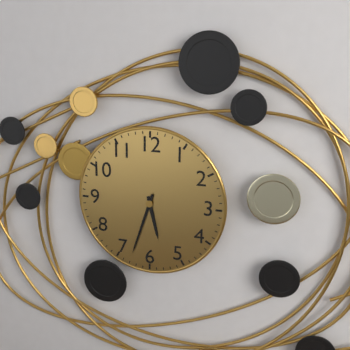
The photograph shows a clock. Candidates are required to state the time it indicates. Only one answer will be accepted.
5:33
